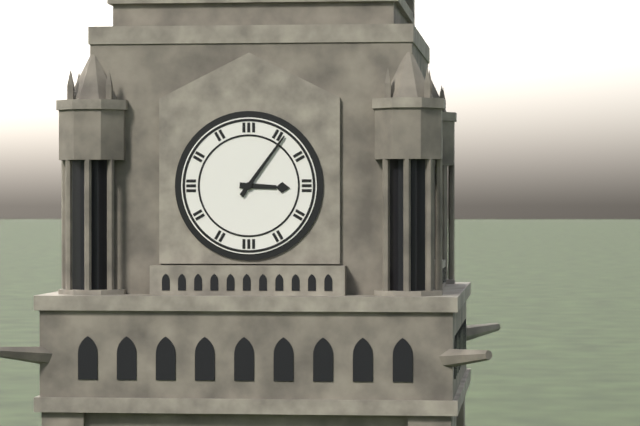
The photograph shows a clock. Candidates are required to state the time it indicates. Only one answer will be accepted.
3:06
